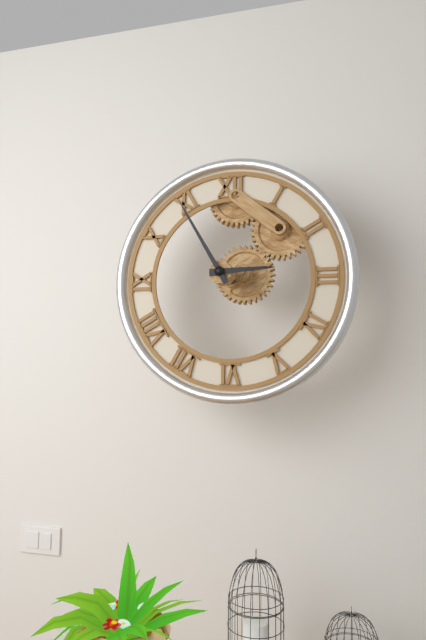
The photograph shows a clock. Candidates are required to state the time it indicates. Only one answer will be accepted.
2:55
